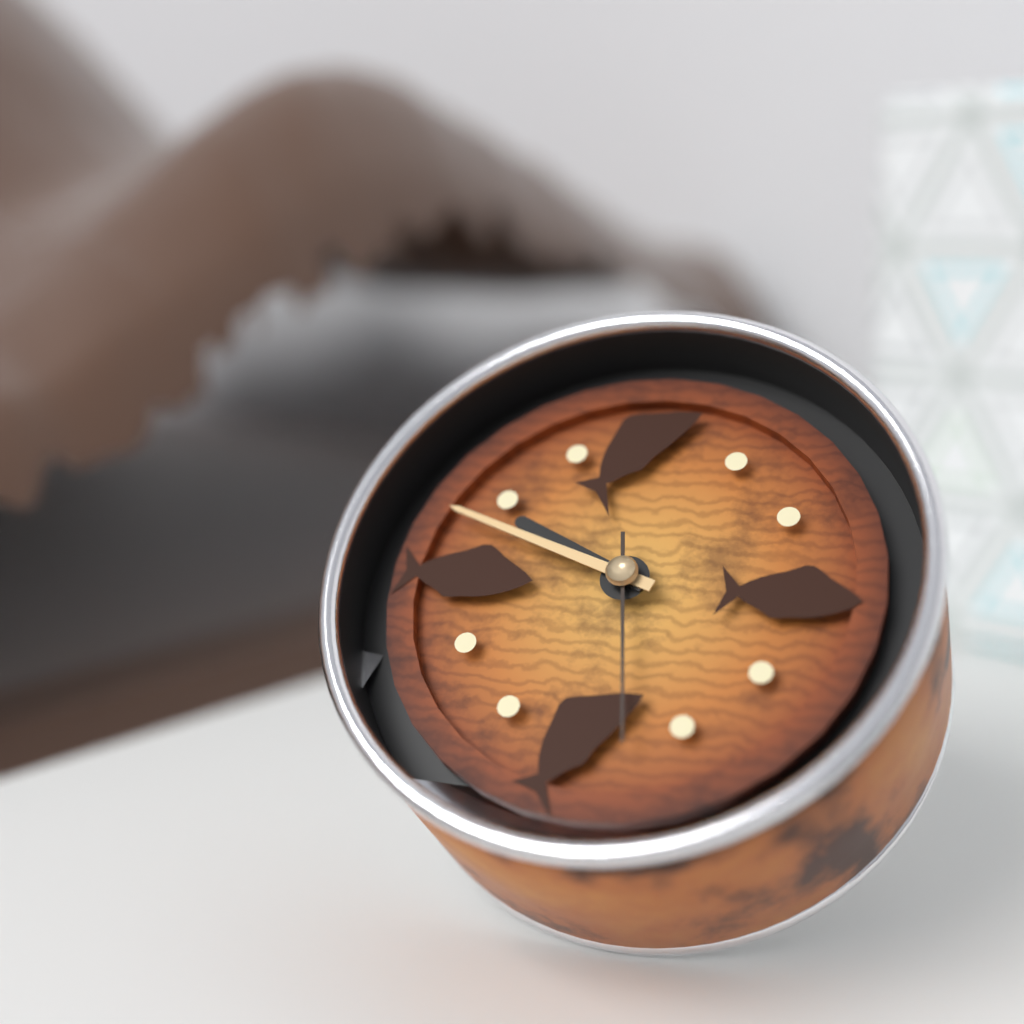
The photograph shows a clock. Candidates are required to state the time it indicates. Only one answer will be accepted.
9:48:28
